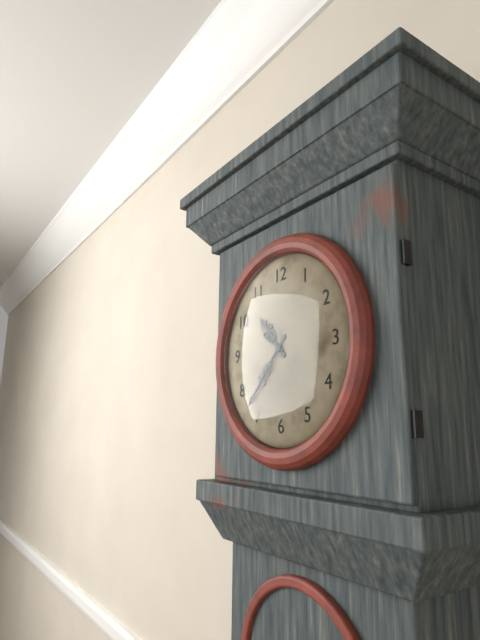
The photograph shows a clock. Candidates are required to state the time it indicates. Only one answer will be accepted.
10:37
